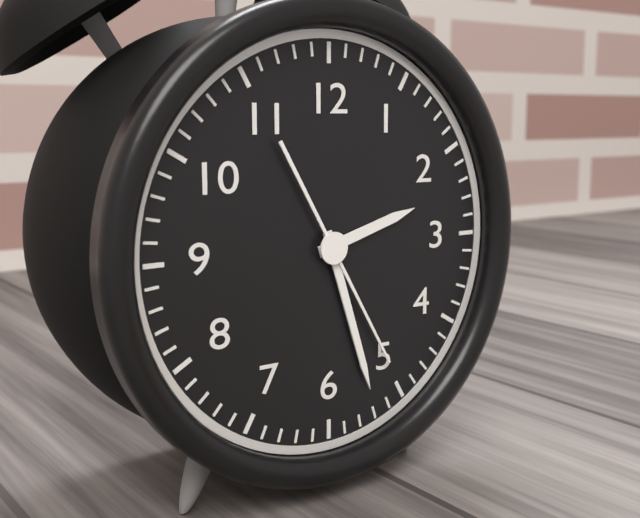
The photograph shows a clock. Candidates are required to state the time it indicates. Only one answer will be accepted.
2:27:25
